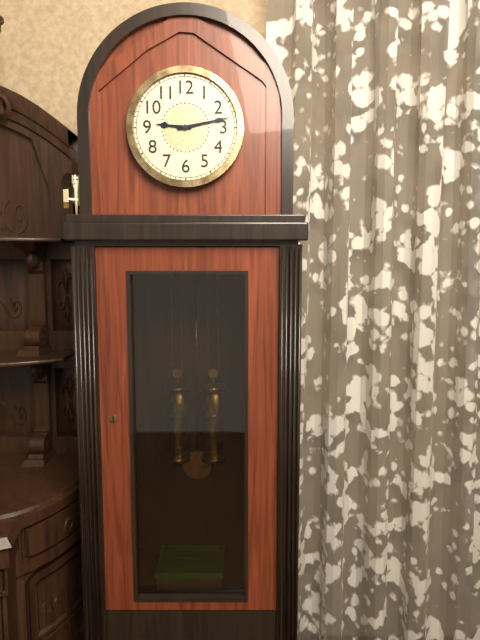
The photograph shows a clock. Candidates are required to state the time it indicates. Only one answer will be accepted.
9:13
